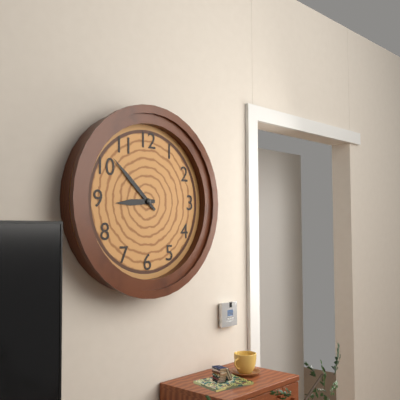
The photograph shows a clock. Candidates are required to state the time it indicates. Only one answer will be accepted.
8:52
